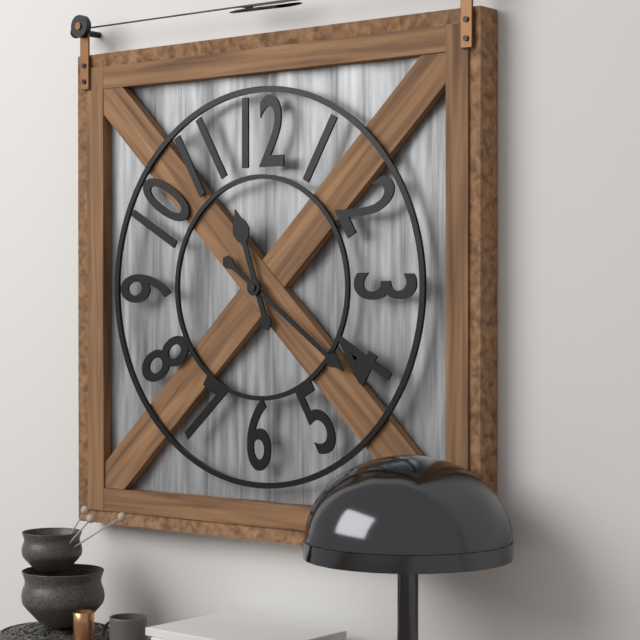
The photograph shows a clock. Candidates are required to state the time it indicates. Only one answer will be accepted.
11:21
